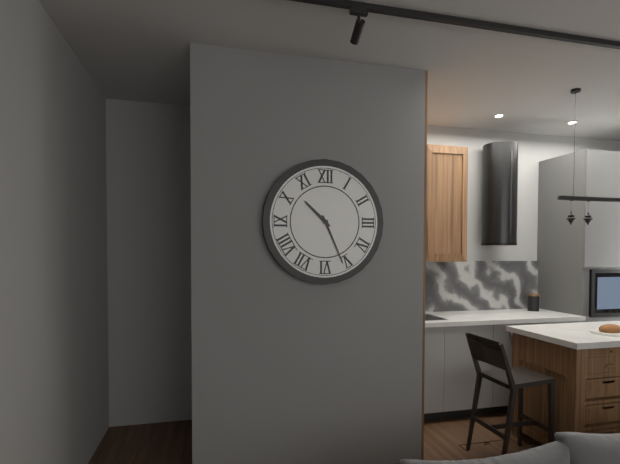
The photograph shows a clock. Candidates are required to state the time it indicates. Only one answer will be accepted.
10:26
